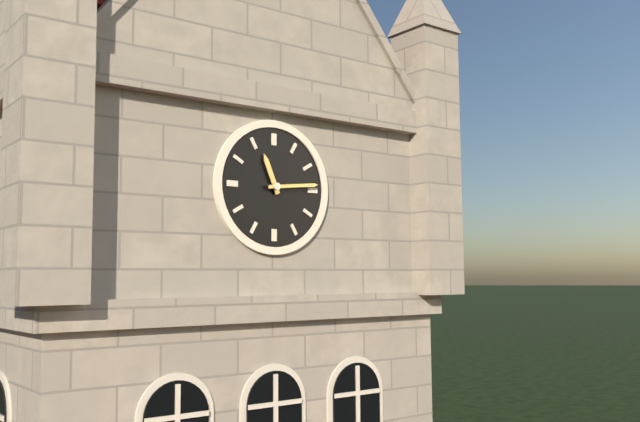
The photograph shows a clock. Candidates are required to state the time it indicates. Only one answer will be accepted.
11:14
